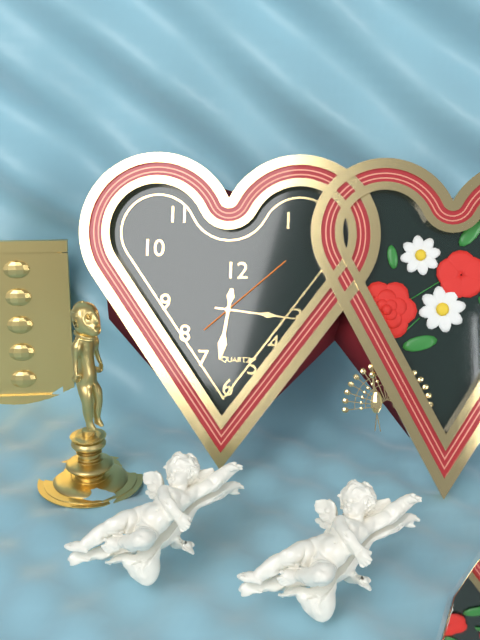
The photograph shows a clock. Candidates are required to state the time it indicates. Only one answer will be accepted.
6:16:08
